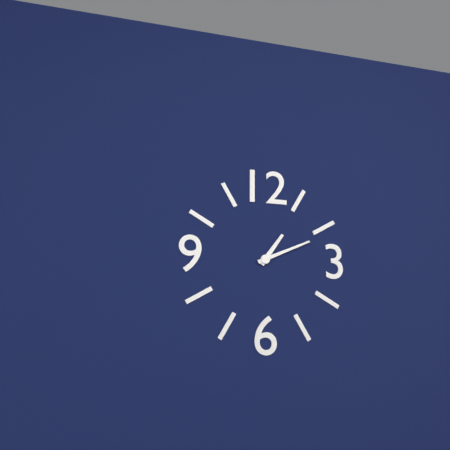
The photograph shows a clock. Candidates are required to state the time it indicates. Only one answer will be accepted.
1:11
